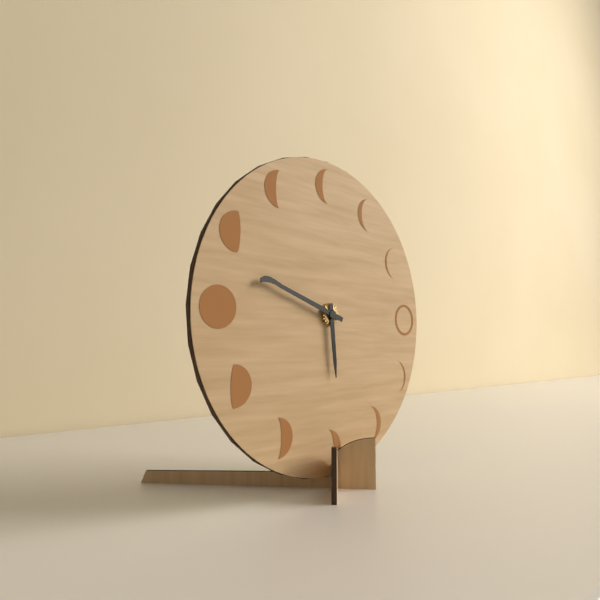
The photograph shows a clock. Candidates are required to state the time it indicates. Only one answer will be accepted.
5:48
